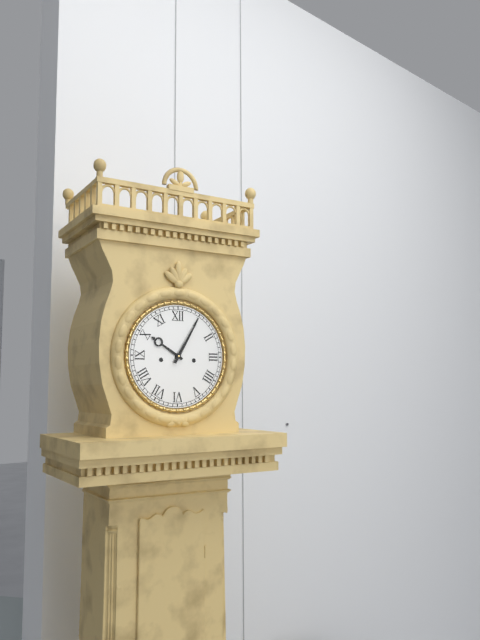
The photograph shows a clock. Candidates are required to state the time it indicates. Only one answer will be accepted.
10:05
